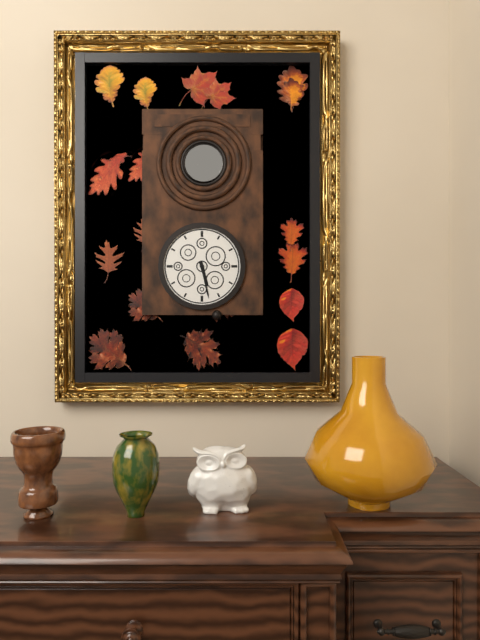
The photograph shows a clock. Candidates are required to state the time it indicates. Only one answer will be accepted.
5:28
